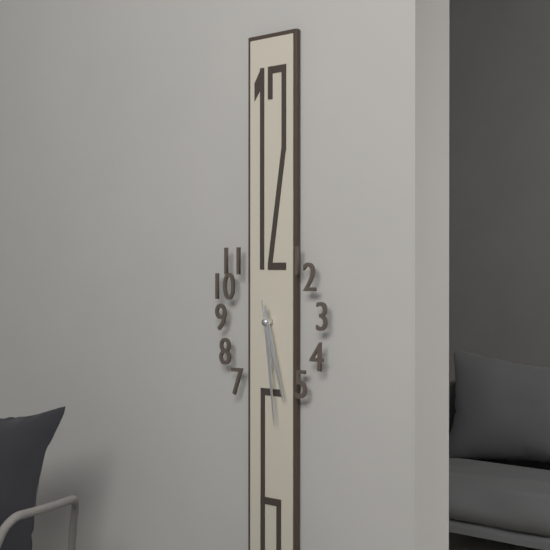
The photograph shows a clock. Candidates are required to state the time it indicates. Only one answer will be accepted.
5:29:28
